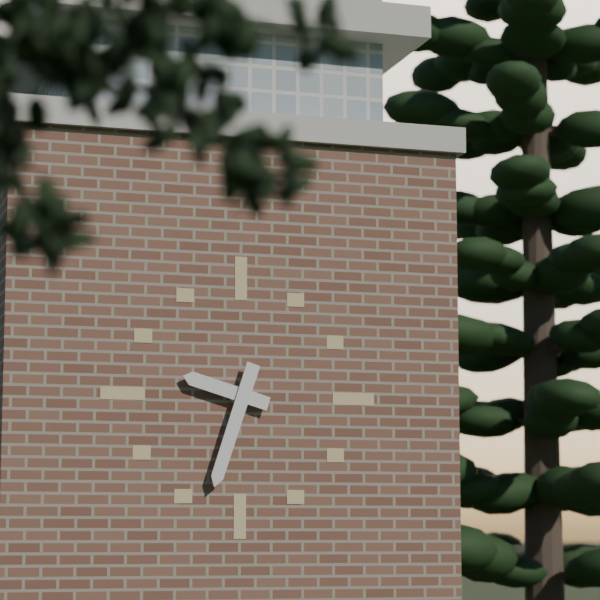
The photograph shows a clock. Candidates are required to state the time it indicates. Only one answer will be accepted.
9:33
